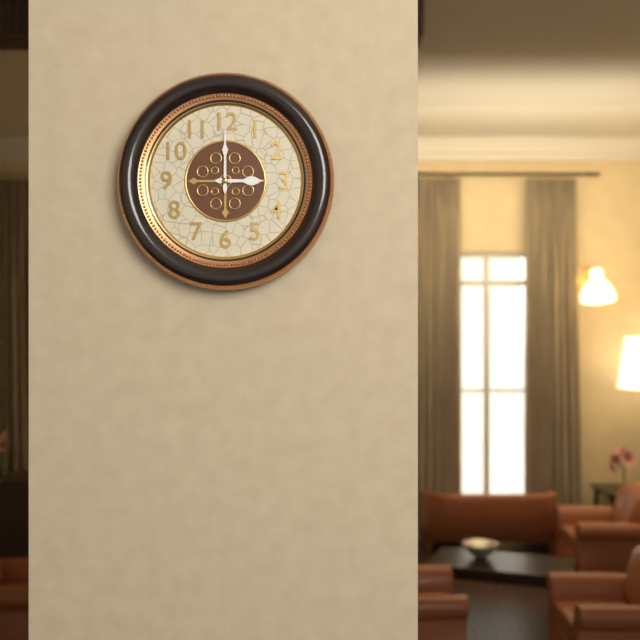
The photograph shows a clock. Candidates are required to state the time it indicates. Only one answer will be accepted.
3:00
